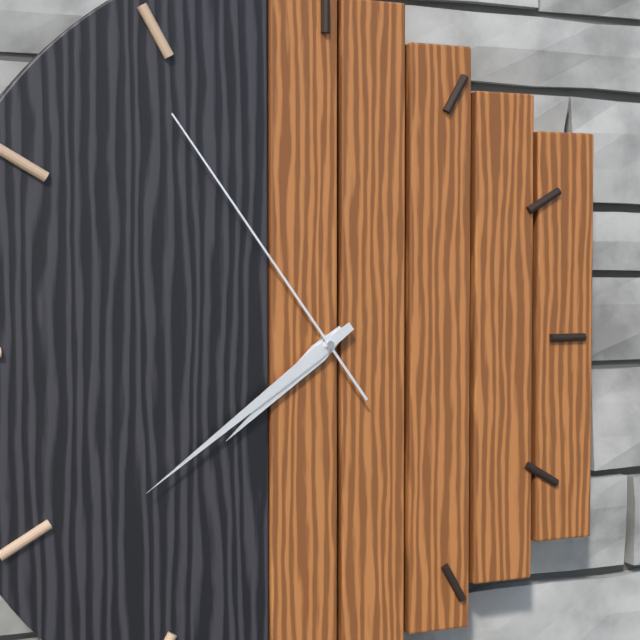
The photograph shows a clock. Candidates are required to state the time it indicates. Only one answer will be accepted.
7:39:54
